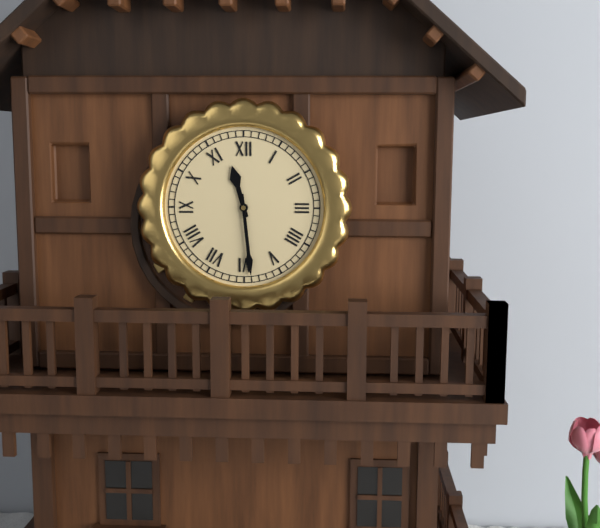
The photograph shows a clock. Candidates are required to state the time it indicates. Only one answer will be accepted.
11:29
